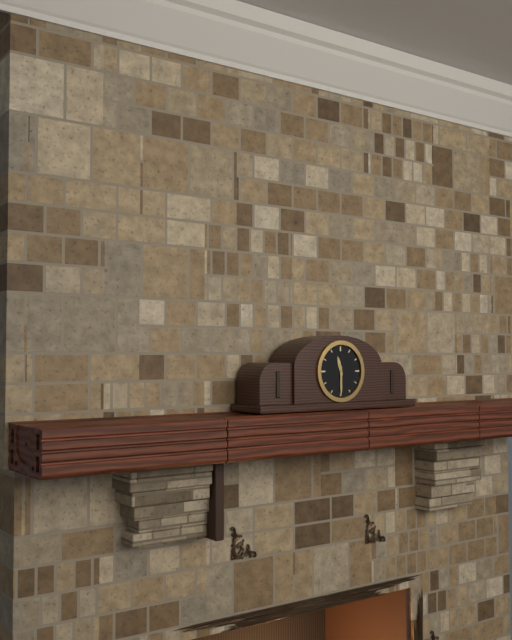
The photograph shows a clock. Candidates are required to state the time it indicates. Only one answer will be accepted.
11:30
